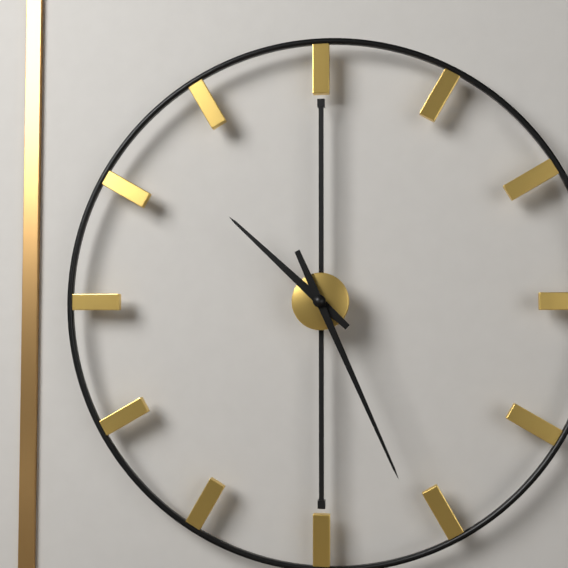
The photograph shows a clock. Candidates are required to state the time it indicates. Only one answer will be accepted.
10:26
